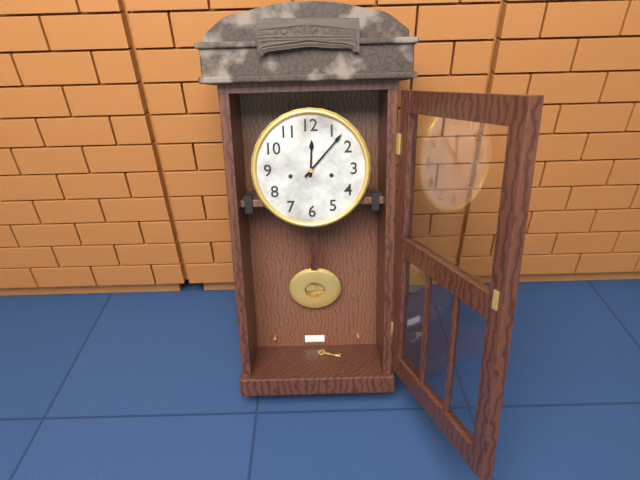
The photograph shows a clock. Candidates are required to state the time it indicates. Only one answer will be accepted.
12:07
